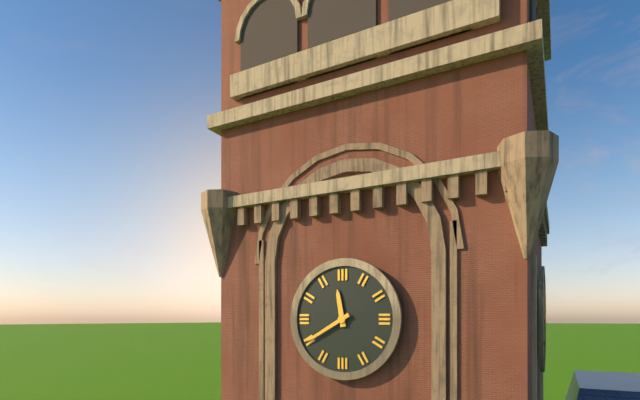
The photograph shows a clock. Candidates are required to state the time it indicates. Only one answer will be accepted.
11:40
